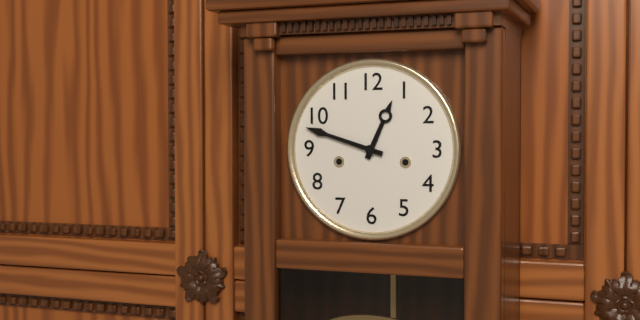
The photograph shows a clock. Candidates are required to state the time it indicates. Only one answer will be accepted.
12:48
